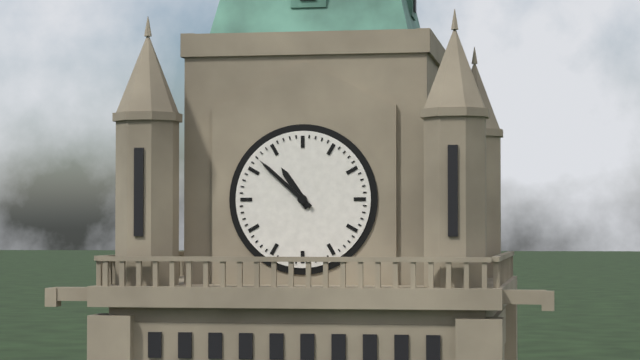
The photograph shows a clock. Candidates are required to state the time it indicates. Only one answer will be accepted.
10:52
